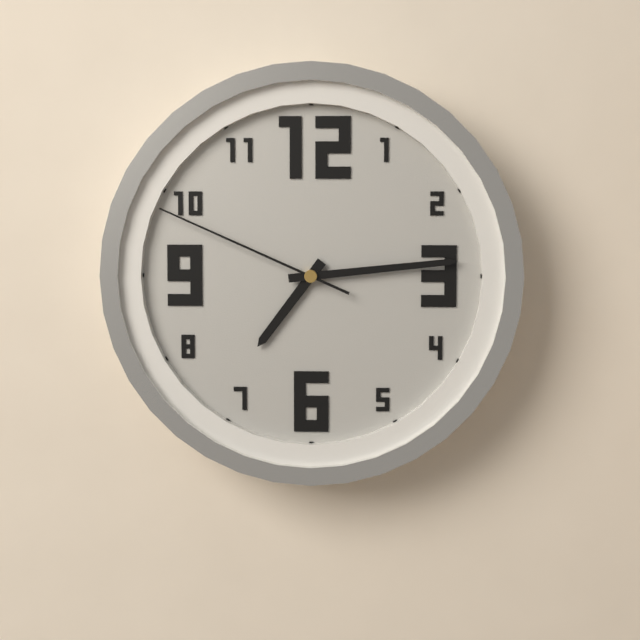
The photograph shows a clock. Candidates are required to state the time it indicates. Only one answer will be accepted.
7:14:49
